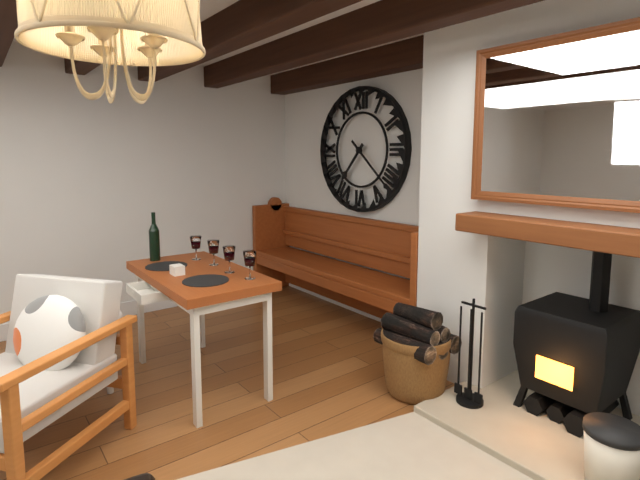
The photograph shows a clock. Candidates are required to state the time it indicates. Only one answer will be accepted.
7:22
